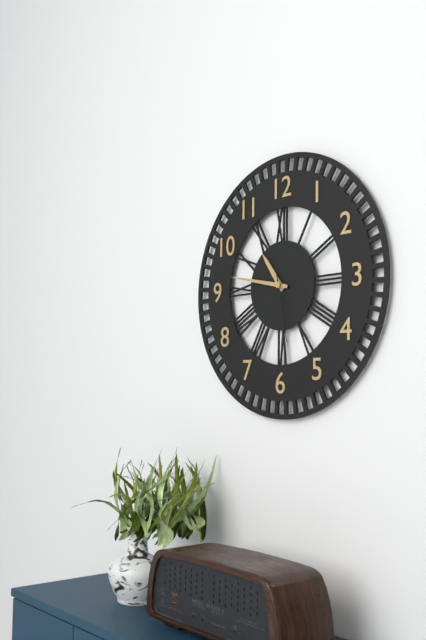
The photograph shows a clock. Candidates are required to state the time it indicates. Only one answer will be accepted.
10:47:28
